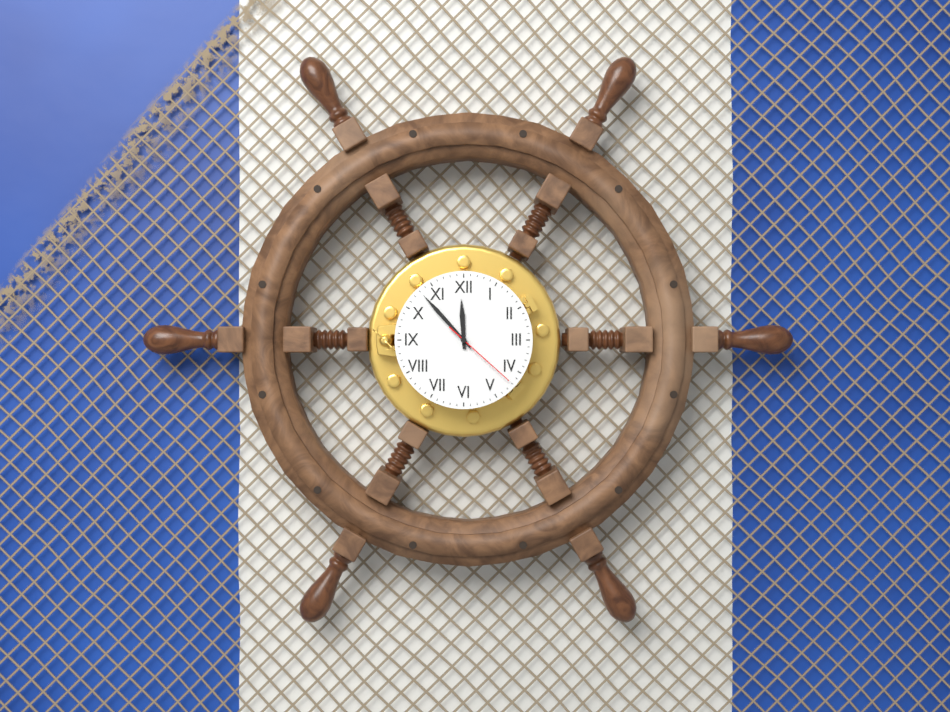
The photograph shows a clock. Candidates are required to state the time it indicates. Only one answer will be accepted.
11:53:22
